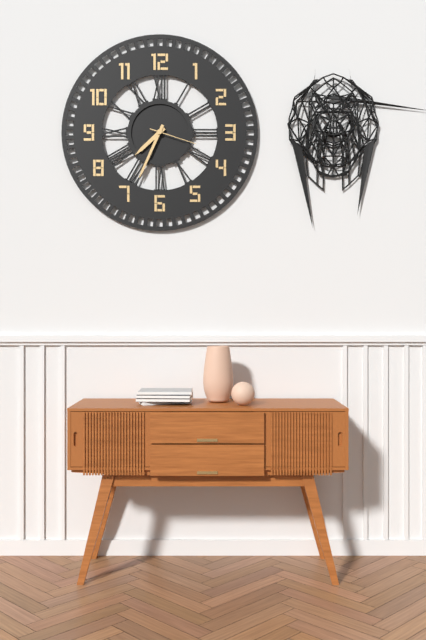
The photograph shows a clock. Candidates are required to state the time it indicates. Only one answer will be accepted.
7:34
